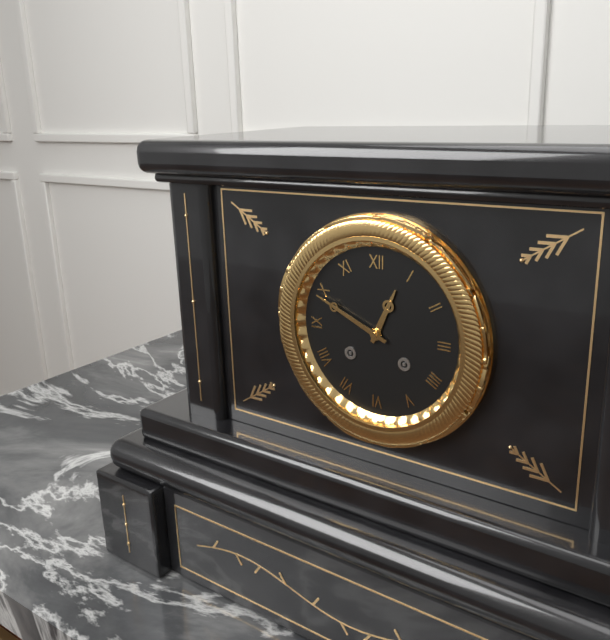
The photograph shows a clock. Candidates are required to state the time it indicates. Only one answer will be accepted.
12:49
